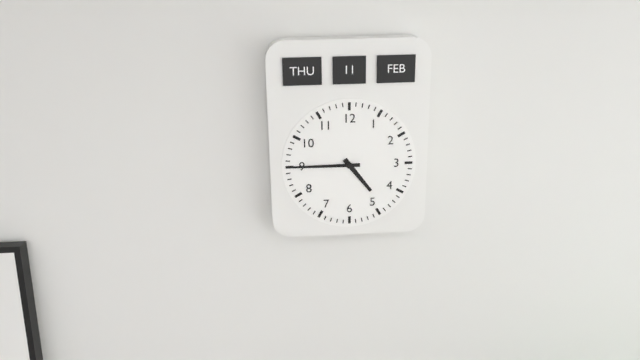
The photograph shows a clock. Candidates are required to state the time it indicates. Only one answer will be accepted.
4:45
